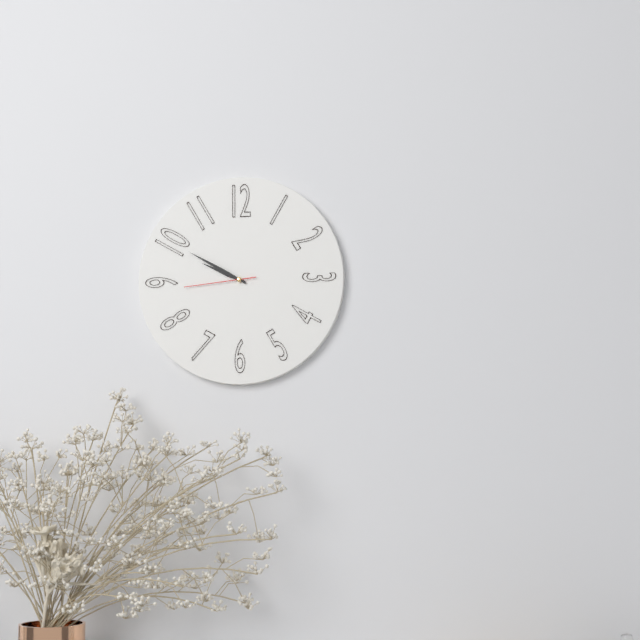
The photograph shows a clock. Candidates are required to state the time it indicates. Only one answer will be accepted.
9:50:44
